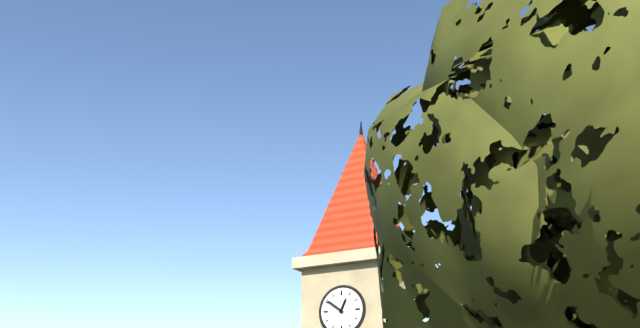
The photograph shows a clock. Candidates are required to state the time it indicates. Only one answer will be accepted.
12:51
